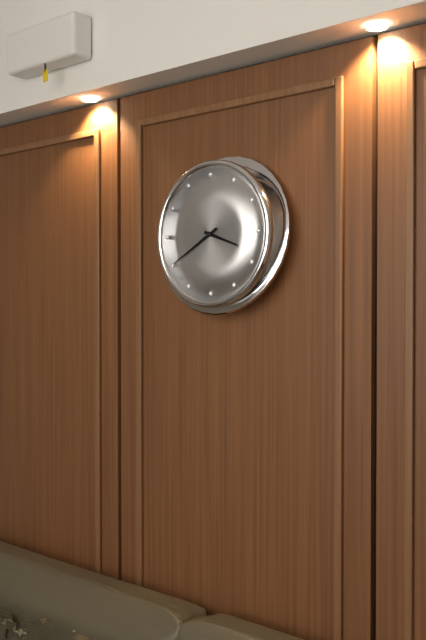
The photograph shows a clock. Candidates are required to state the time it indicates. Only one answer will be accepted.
3:40
